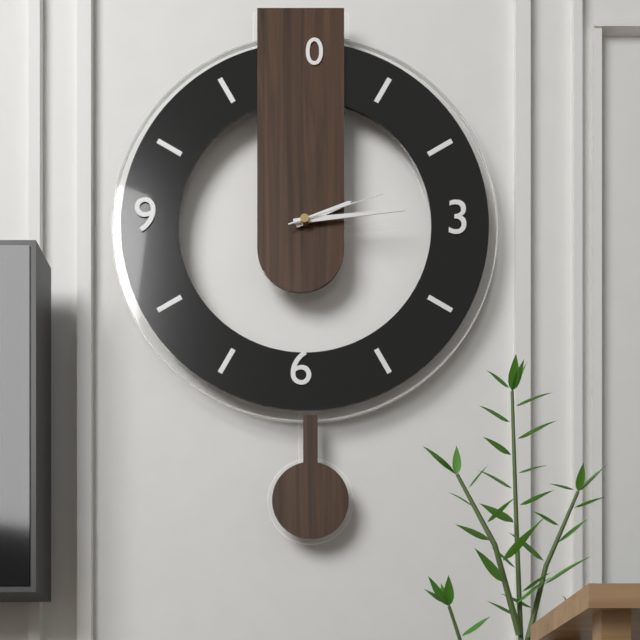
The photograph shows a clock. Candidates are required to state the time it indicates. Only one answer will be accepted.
2:14:12
